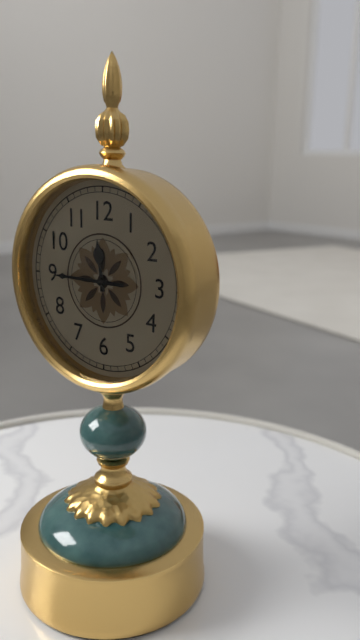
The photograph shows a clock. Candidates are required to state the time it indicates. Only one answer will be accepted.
11:45
